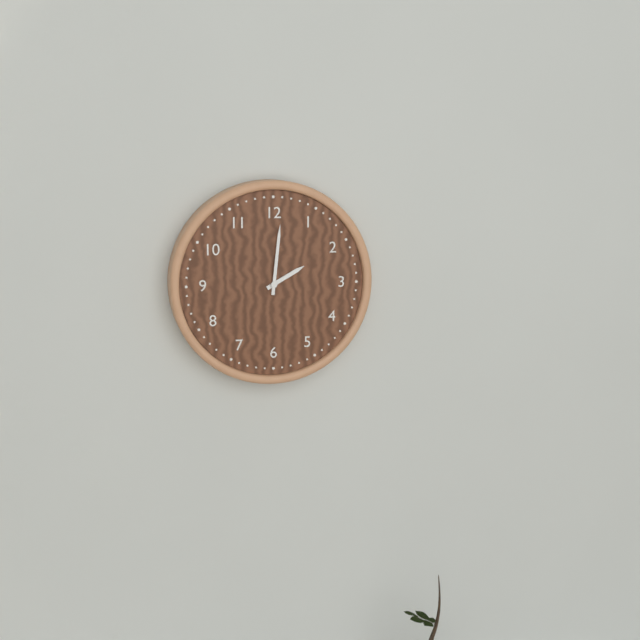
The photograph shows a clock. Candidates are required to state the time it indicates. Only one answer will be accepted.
2:01
